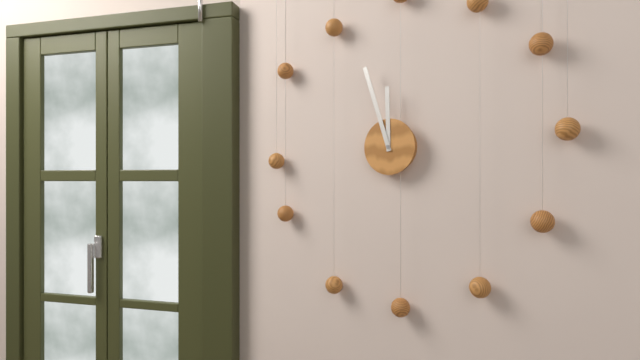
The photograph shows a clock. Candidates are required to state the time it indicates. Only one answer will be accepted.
11:57
